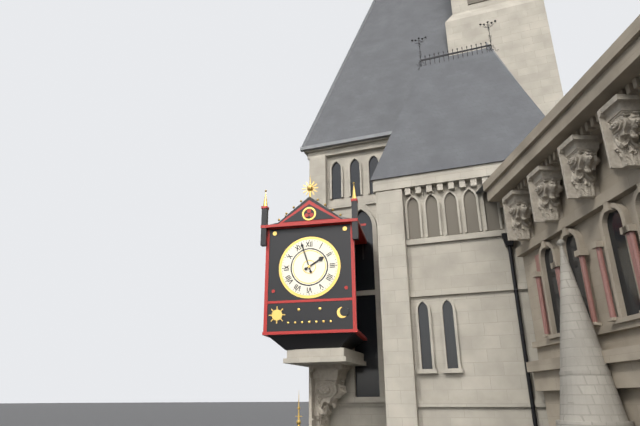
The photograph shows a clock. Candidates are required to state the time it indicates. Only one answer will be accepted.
1:57
